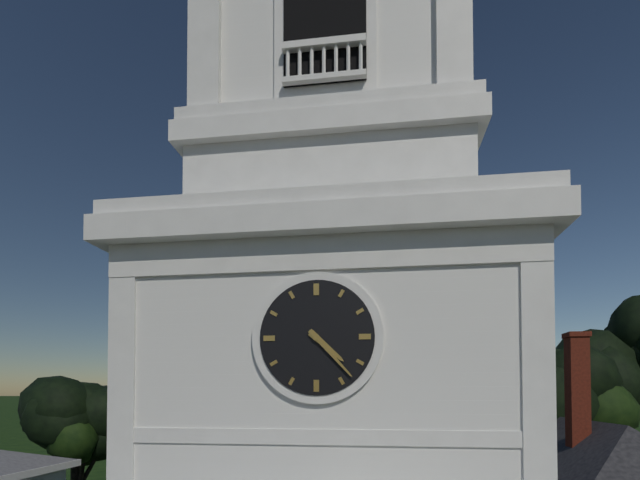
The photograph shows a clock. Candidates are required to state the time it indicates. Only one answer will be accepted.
4:23
